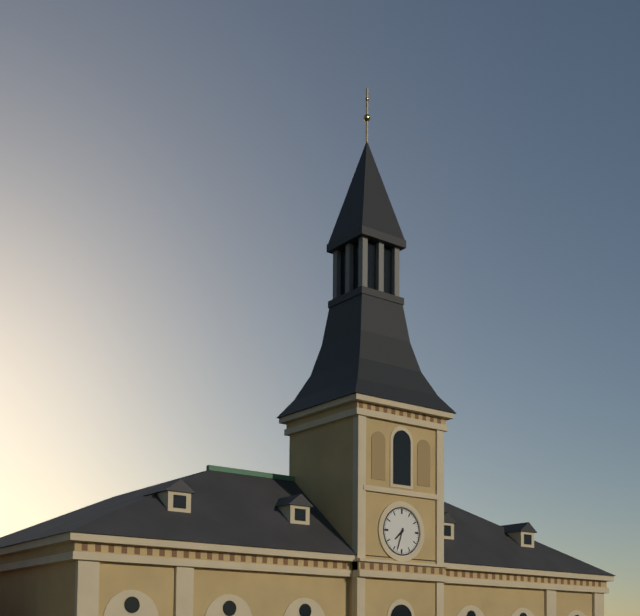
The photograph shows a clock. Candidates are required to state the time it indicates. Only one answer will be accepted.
7:33
